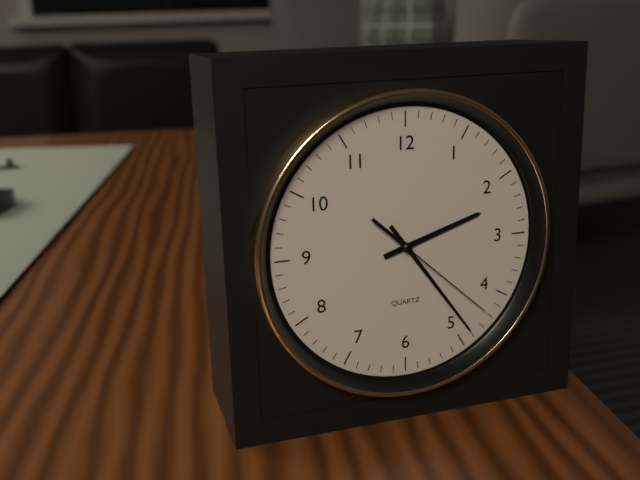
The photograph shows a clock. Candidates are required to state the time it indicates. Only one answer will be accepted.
2:24:22
